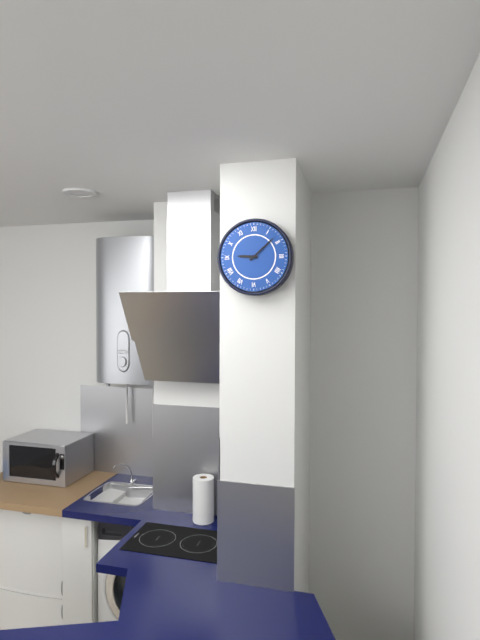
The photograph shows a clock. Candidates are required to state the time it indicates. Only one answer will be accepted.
9:08
